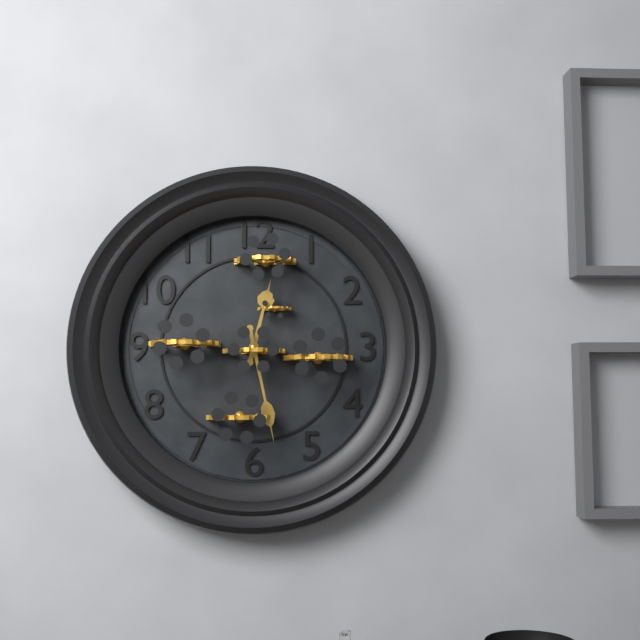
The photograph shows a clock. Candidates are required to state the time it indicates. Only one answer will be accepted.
12:28
